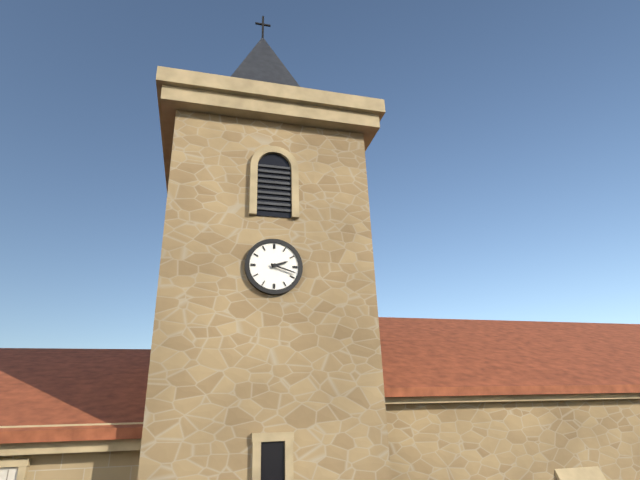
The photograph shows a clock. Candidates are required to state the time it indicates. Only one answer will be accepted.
2:18
